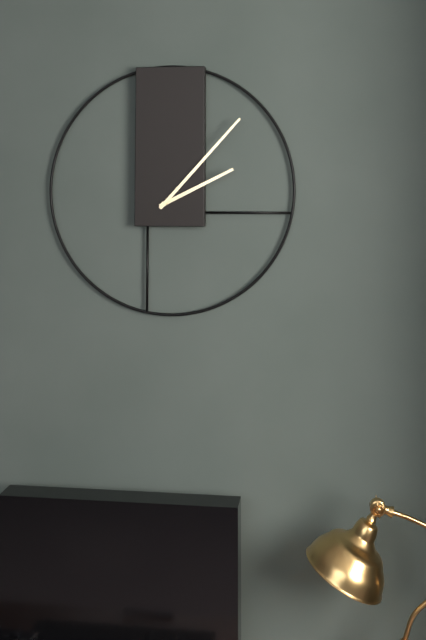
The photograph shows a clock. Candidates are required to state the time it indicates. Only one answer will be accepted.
2:07
